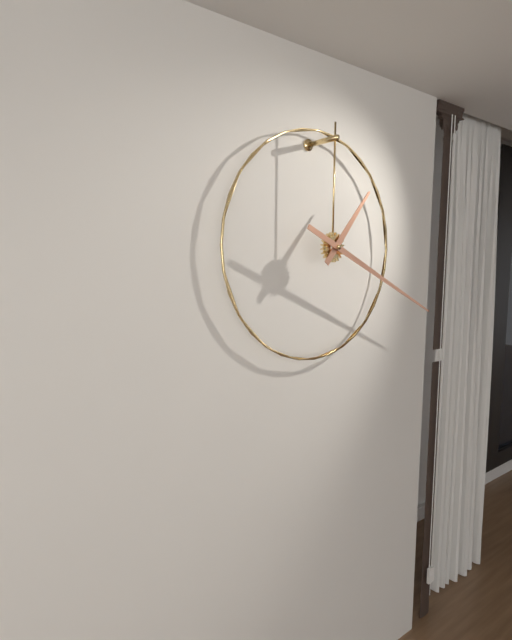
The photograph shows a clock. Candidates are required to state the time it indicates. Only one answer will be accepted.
1:19
